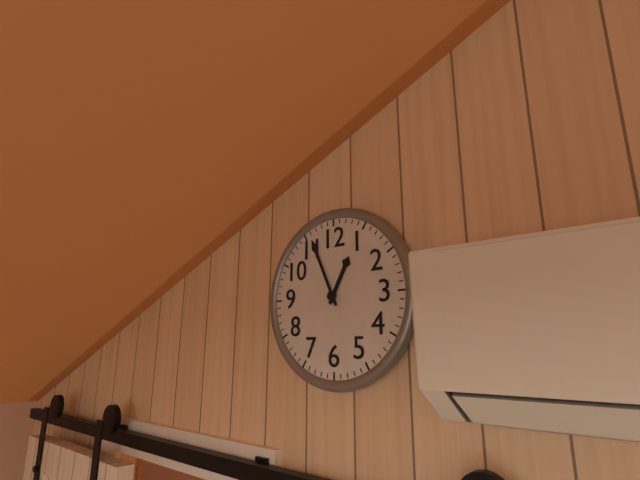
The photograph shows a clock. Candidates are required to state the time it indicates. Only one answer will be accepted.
12:56
